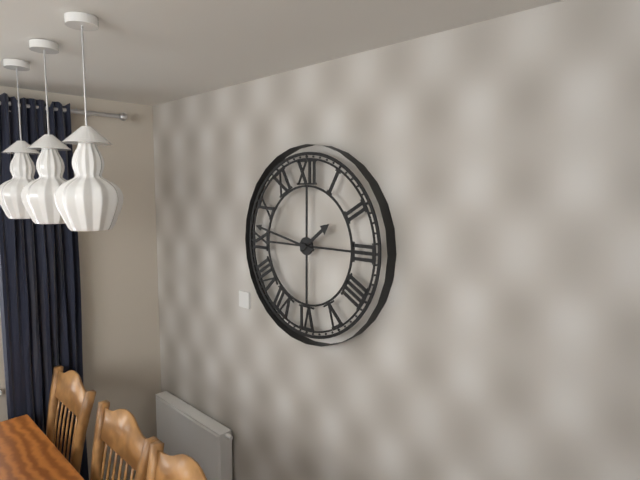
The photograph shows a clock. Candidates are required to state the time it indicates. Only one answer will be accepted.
1:47
